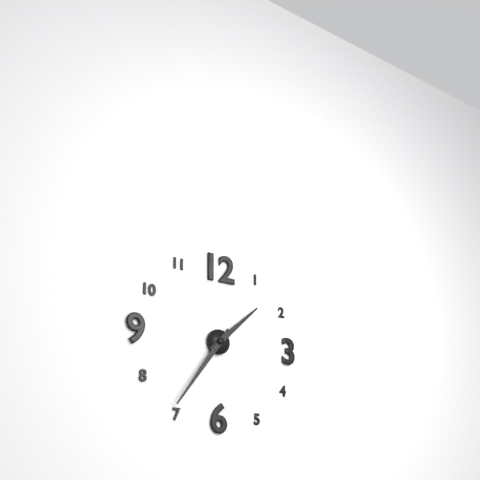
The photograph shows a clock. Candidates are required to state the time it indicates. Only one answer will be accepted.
1:36
